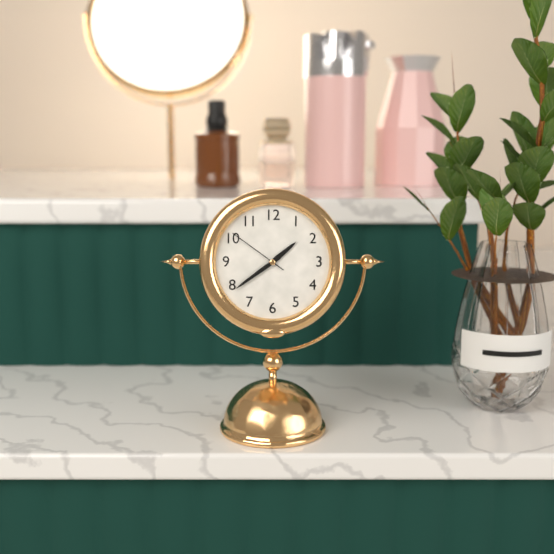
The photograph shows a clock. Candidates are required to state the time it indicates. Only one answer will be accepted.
1:39:51
